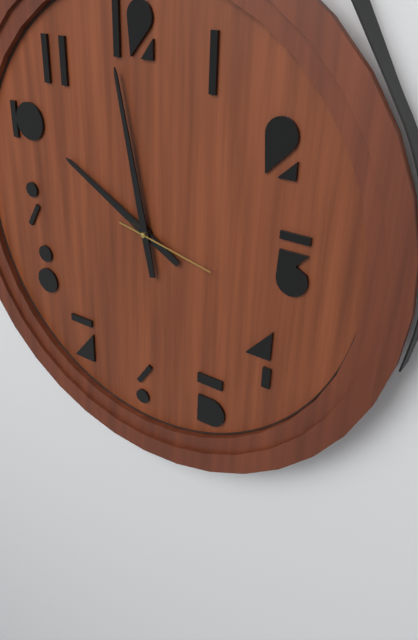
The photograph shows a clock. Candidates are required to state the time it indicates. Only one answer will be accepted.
9:58:17
